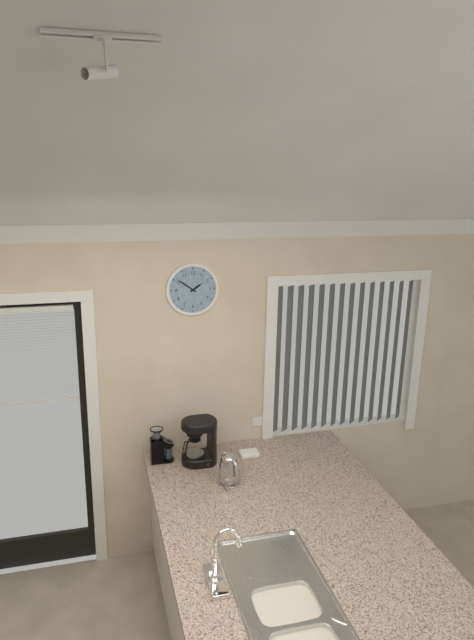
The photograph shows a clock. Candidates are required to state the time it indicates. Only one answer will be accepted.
1:51
